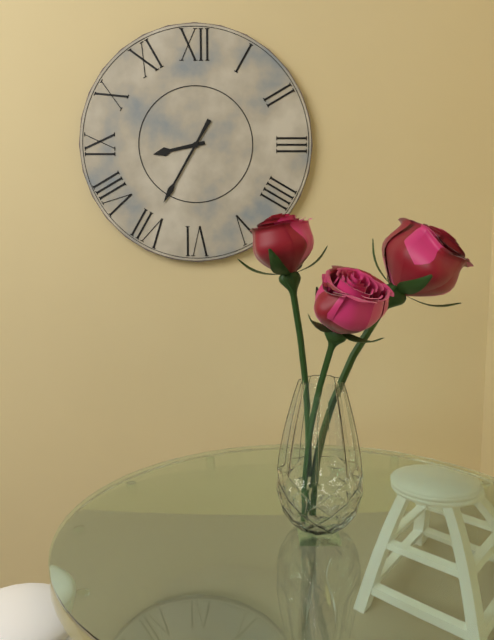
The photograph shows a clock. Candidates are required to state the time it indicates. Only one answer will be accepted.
8:35
